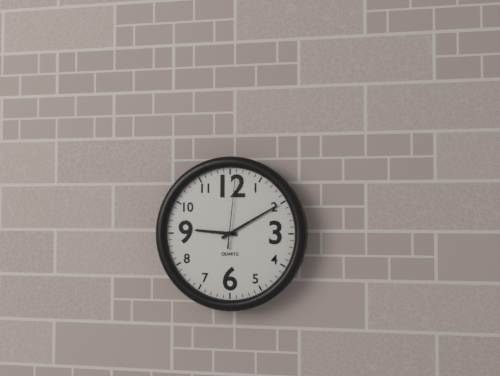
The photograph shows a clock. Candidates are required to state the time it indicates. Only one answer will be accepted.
9:10:01
